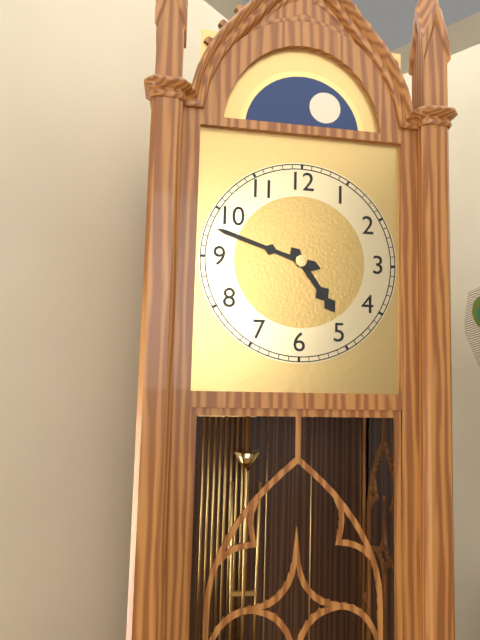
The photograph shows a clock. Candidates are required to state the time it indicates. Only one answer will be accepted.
4:48
